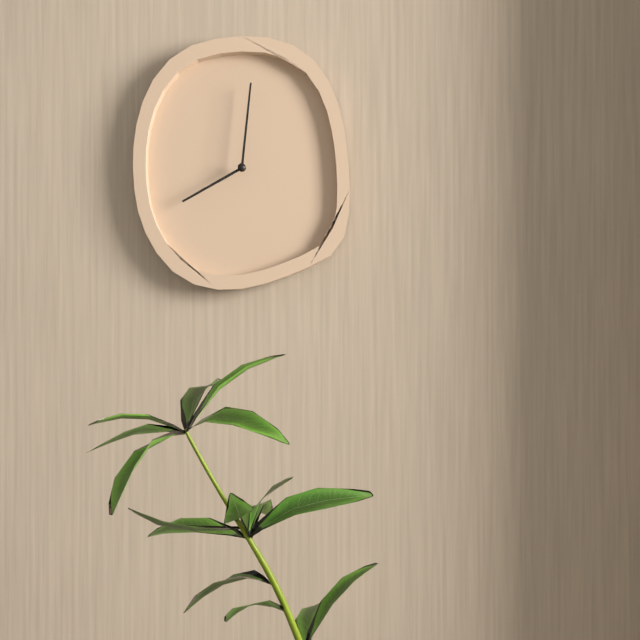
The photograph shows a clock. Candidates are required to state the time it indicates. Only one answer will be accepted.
8:01
